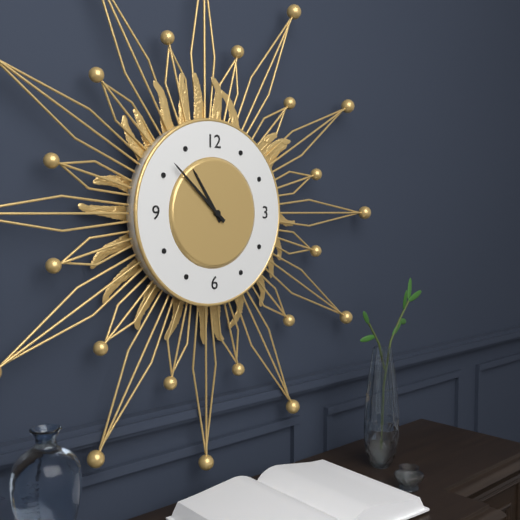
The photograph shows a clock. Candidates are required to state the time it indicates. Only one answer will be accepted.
10:52
